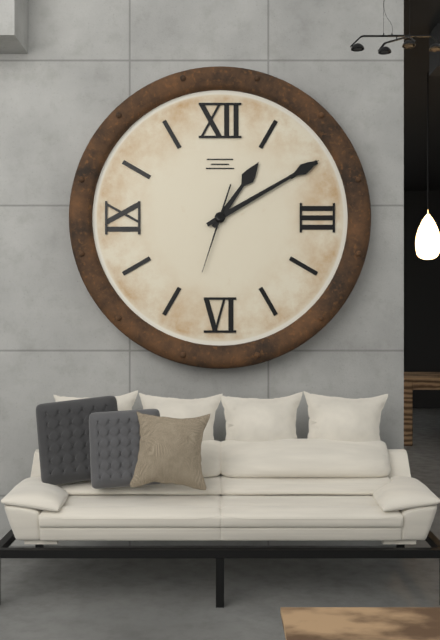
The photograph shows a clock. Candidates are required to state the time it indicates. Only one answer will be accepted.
1:10:33
